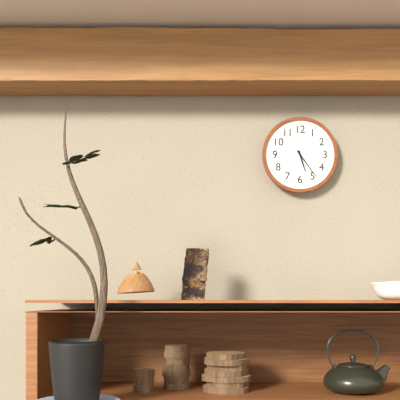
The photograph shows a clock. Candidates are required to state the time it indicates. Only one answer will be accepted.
5:24
